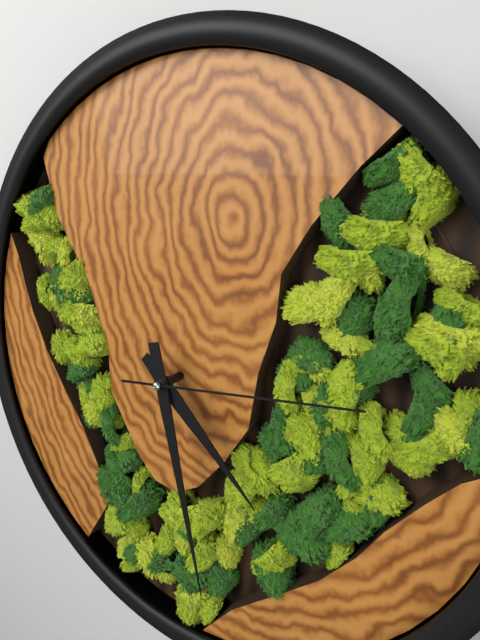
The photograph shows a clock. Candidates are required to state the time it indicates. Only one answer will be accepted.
4:28:14
